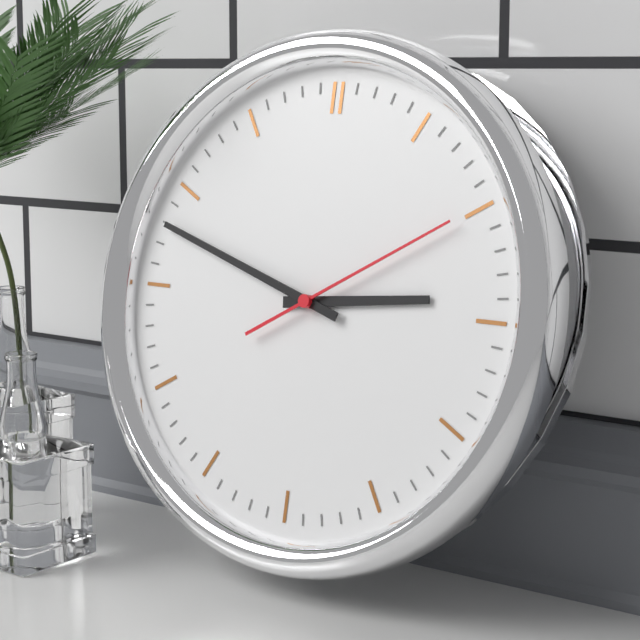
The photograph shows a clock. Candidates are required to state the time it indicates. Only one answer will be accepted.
2:48:10
